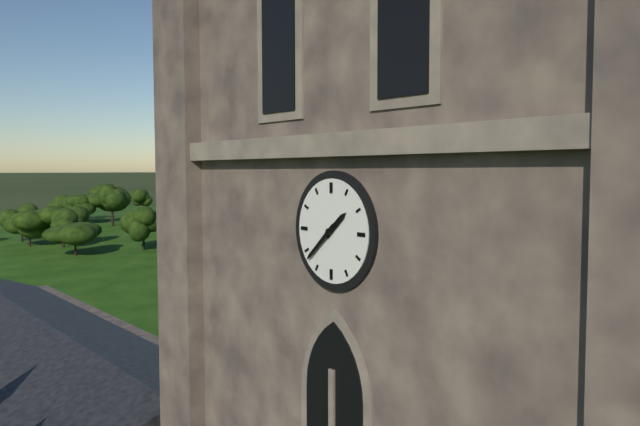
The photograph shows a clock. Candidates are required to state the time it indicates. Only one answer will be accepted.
1:38
